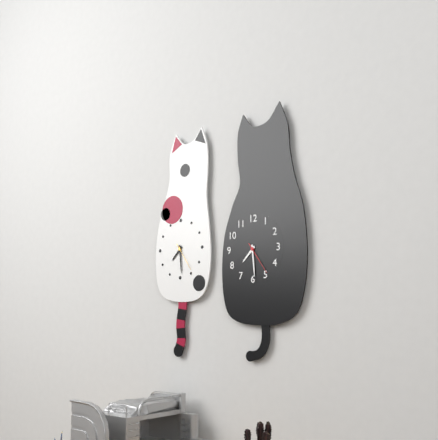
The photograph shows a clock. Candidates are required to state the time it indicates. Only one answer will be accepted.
7:29
